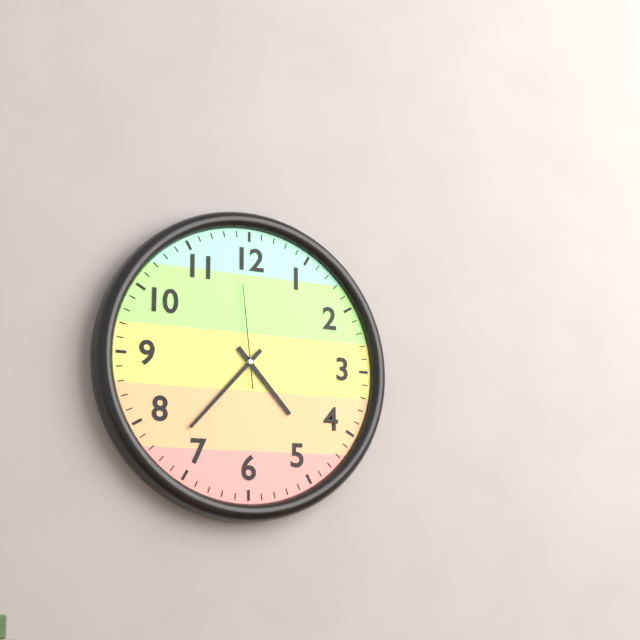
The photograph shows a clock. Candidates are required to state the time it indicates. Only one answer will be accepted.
4:37:59
